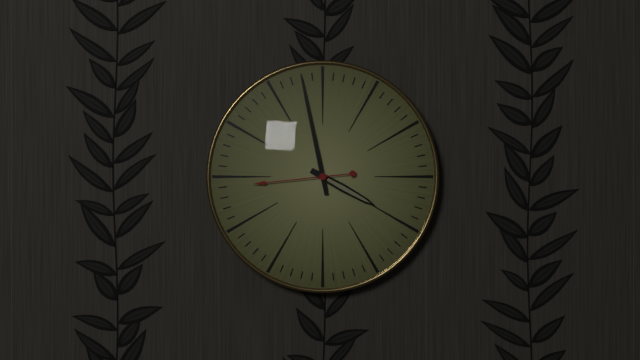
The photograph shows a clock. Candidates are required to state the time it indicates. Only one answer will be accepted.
3:58:44
